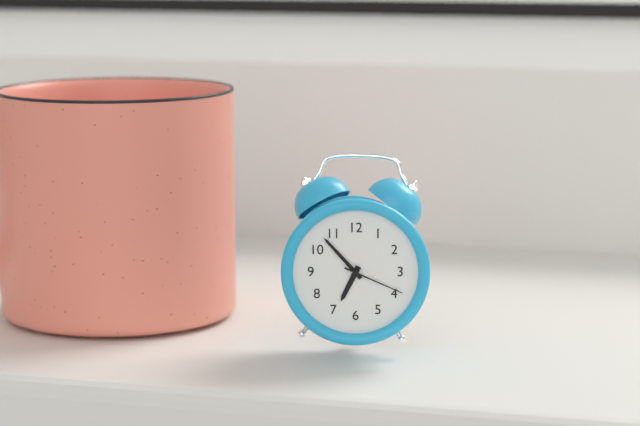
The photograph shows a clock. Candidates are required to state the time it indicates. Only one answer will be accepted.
6:53:19
